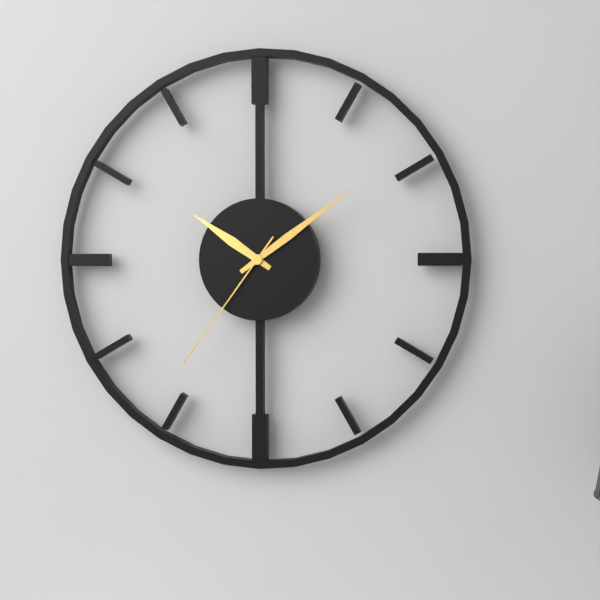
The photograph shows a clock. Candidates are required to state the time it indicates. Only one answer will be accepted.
10:09:36
